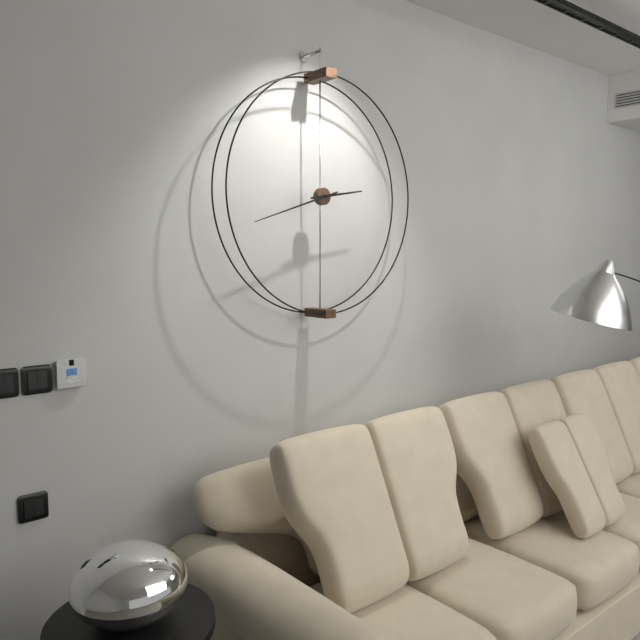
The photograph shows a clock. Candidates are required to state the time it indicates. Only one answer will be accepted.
2:42
